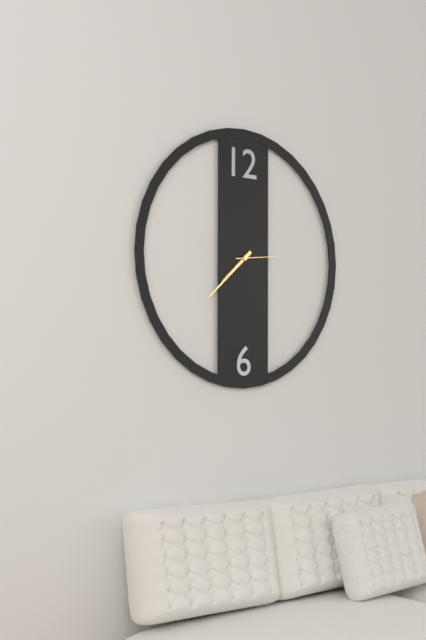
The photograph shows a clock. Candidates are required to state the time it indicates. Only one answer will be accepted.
7:38
